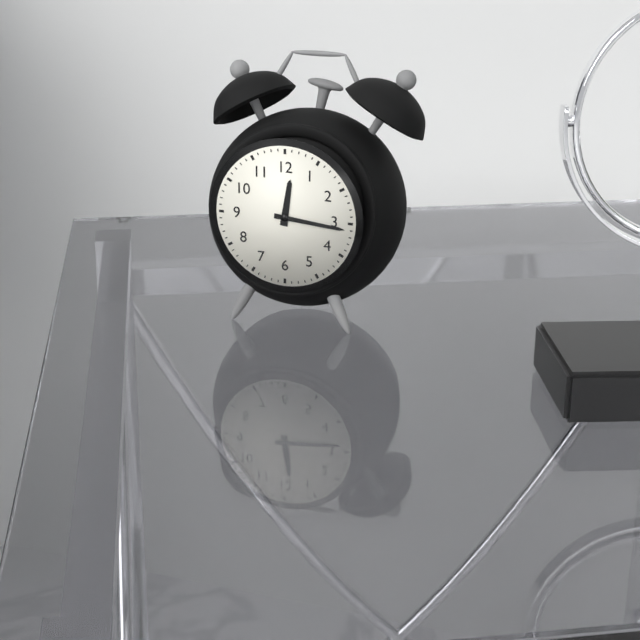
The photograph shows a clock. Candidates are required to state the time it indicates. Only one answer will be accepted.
12:16
